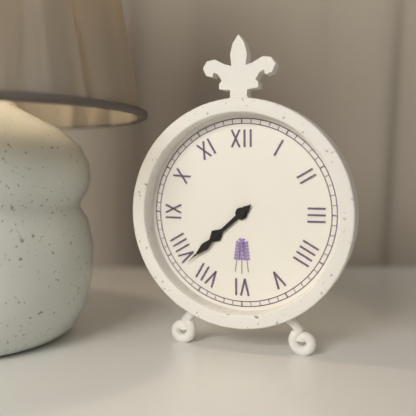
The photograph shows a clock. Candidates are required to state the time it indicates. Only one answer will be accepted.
7:38
